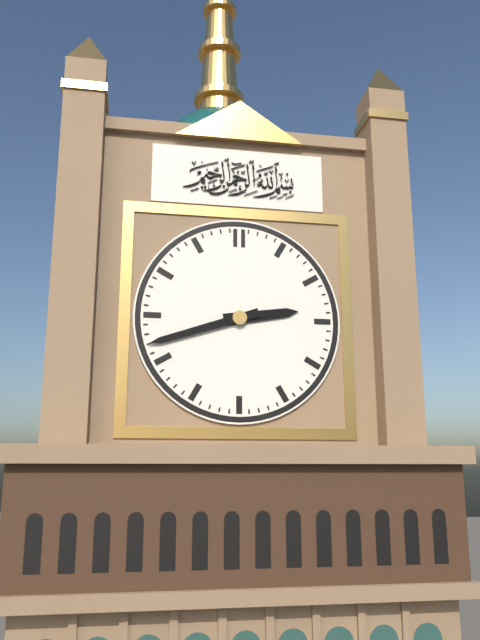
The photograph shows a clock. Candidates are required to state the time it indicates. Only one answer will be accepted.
2:42
